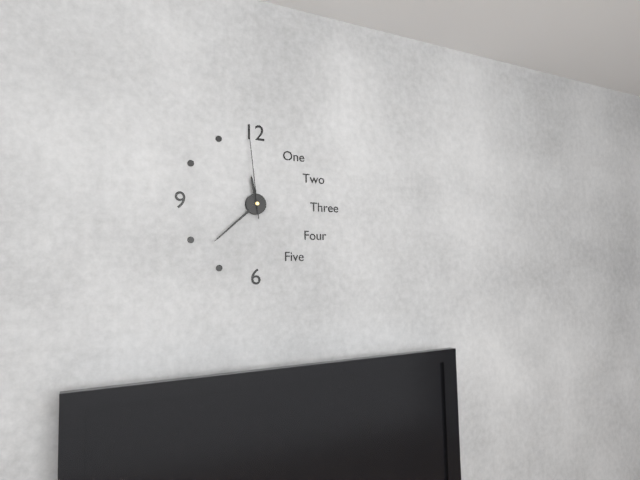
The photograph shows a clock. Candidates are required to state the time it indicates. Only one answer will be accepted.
11:38:59
